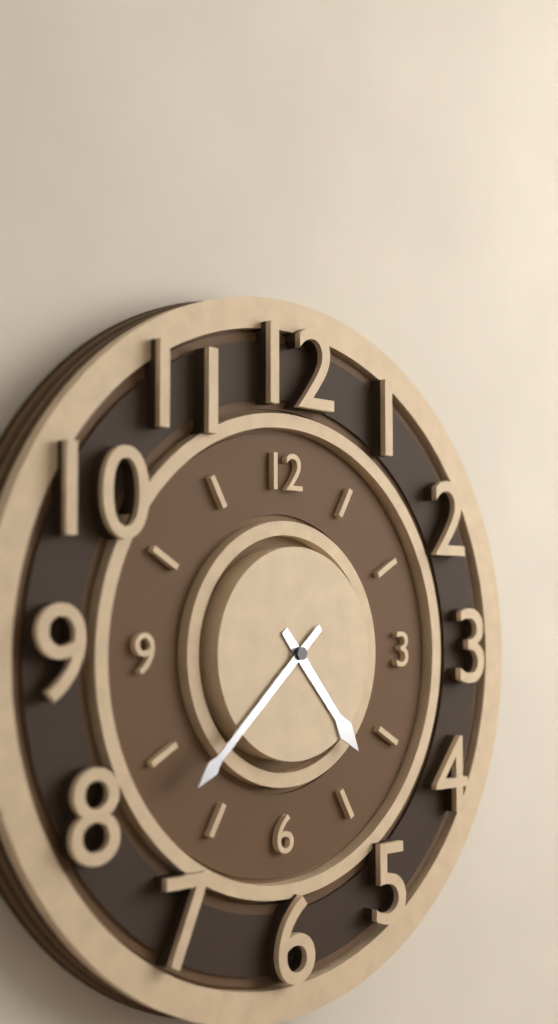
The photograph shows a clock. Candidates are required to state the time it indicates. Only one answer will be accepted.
4:38
